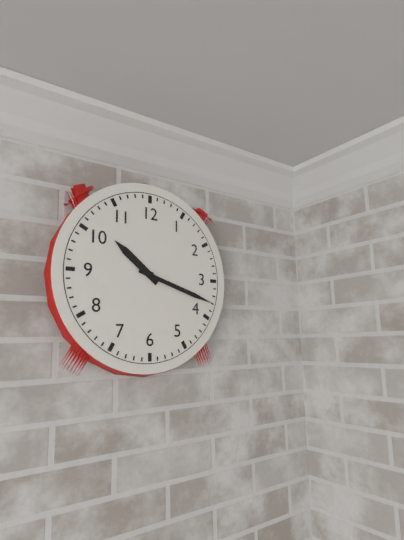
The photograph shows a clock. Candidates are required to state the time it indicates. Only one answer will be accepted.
10:18
